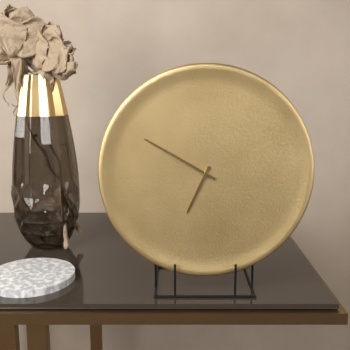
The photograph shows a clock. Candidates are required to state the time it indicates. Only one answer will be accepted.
6:50
